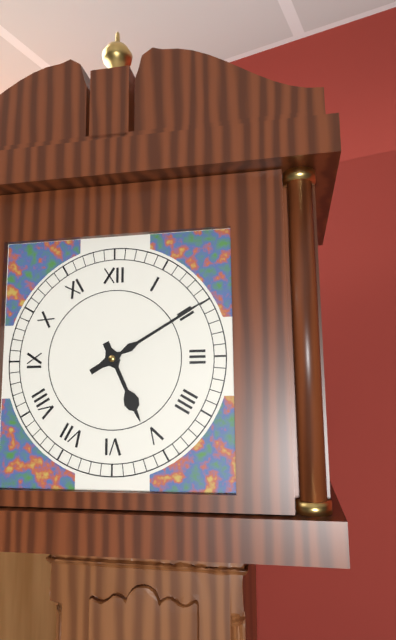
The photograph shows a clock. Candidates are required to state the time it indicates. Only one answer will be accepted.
5:10
